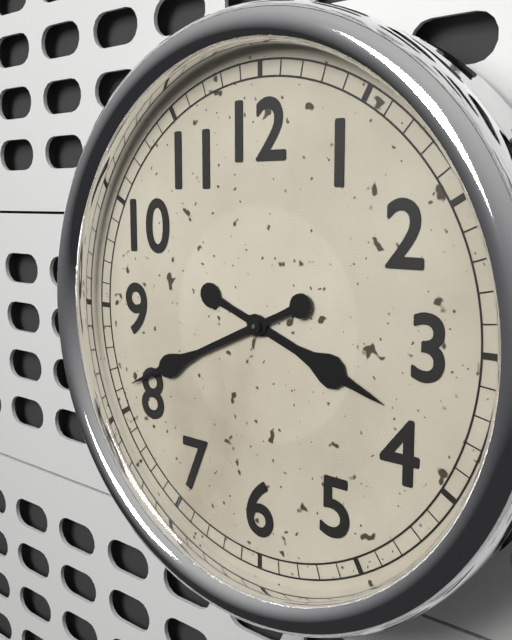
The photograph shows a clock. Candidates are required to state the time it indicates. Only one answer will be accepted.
3:41
